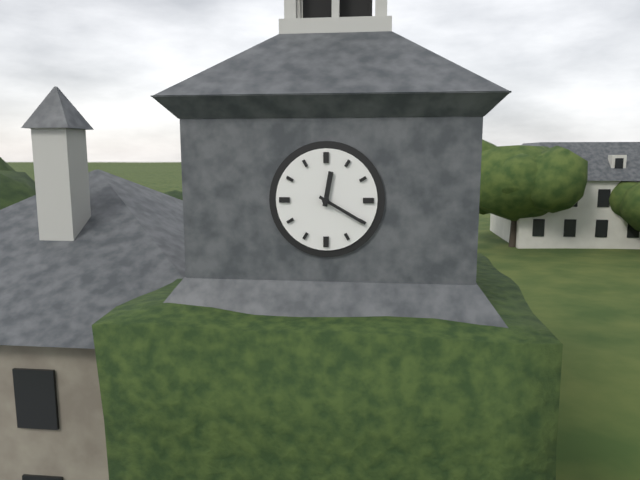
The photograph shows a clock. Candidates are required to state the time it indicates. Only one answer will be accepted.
12:20
